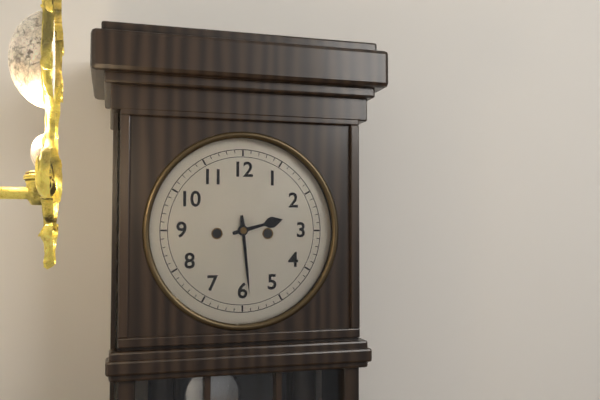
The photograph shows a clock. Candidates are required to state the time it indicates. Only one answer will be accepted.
2:29
